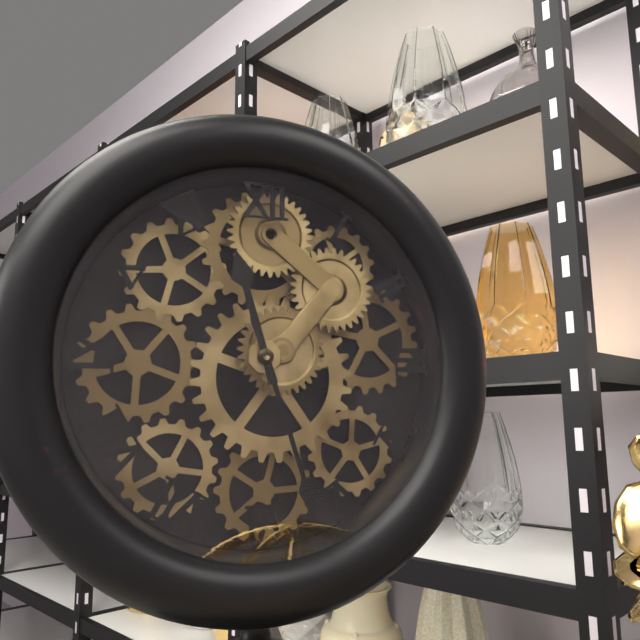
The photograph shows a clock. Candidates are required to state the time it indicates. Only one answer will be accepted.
11:27
